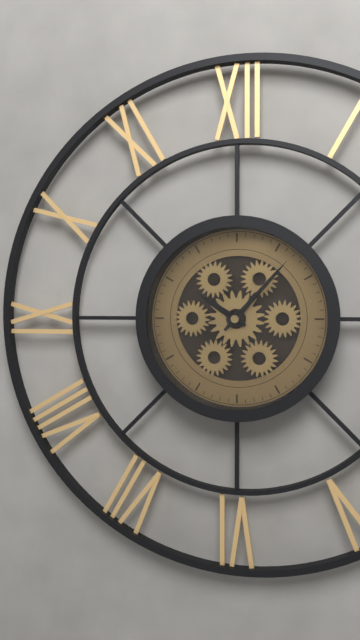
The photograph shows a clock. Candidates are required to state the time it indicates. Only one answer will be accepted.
10:07
